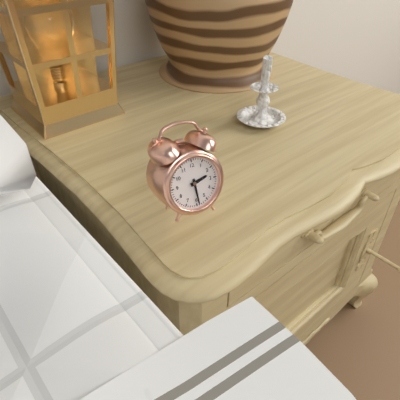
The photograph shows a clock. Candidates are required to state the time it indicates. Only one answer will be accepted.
2:29
